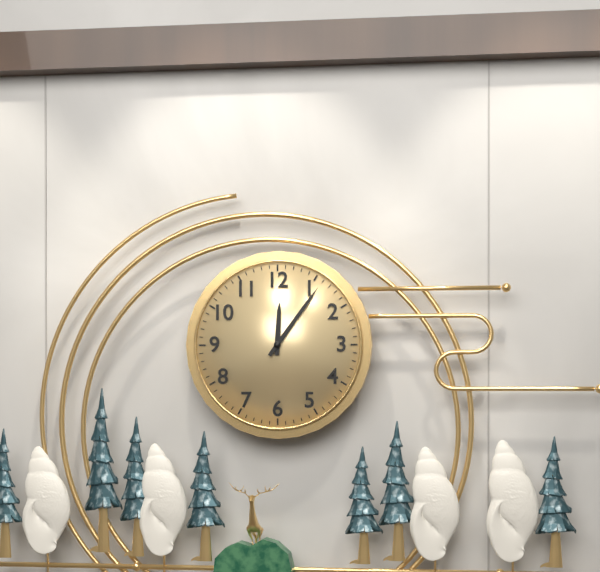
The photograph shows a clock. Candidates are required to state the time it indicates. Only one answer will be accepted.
12:06
